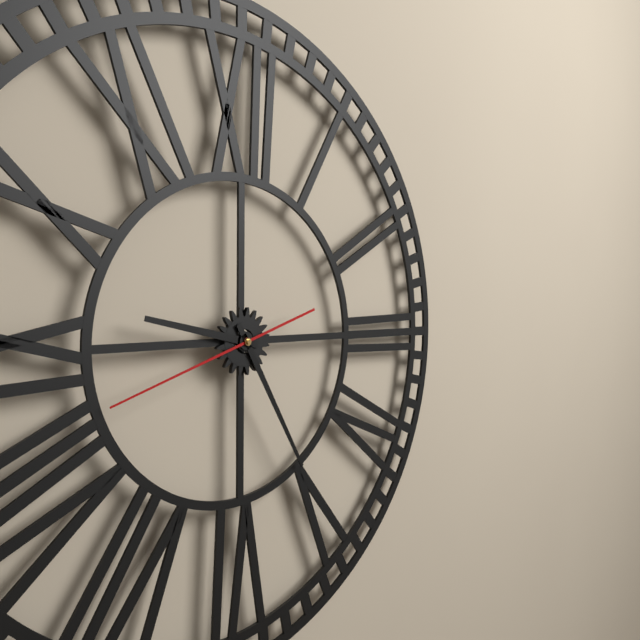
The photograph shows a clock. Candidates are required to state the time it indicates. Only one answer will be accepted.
9:25:42
